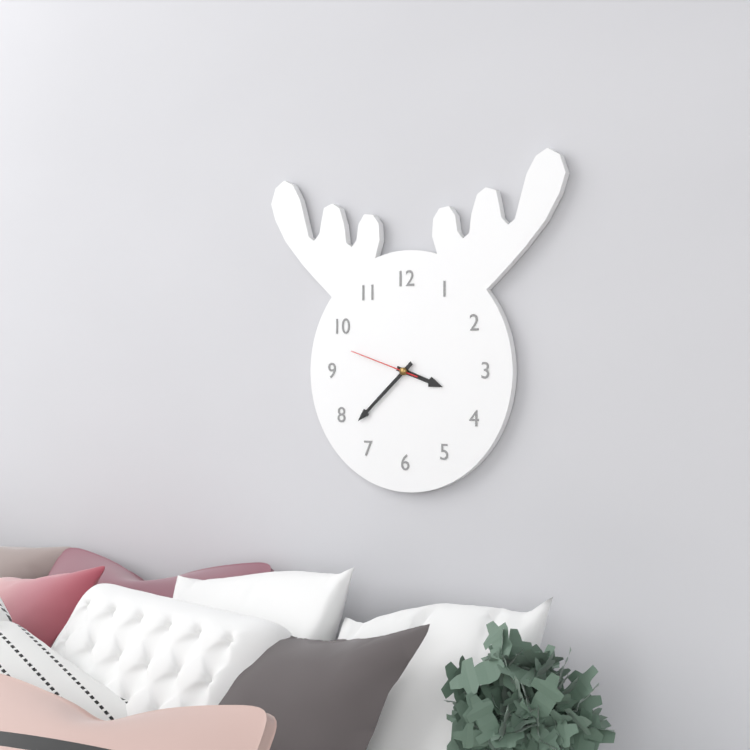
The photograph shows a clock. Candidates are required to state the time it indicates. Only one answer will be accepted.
3:38:48
